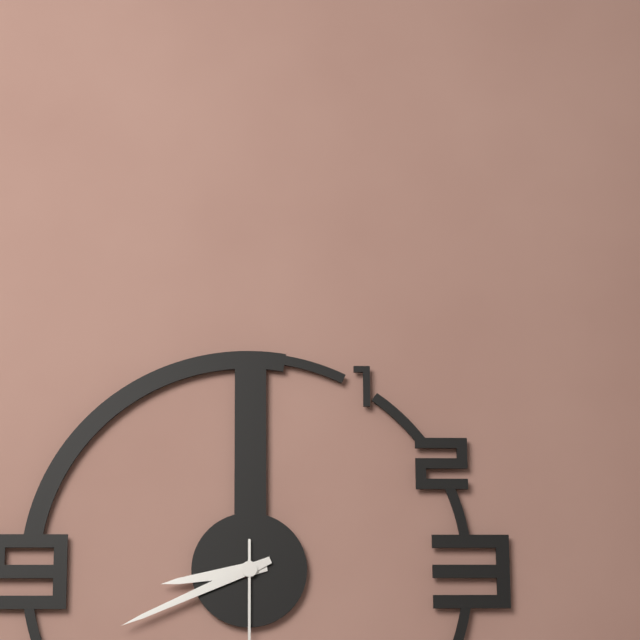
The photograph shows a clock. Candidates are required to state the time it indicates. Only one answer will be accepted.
8:41
